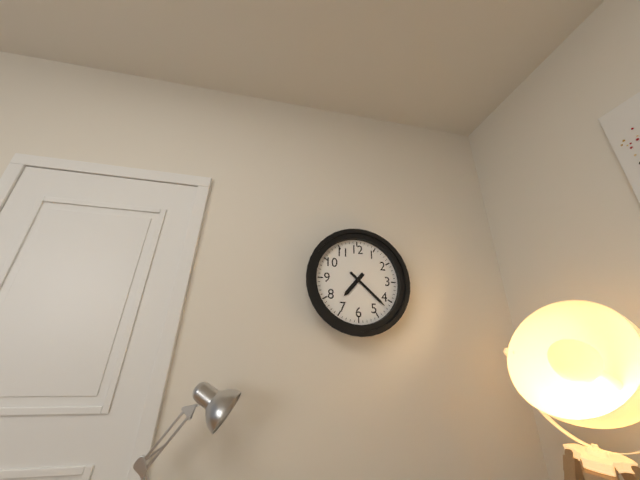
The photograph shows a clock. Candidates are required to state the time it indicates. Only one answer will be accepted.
7:22
